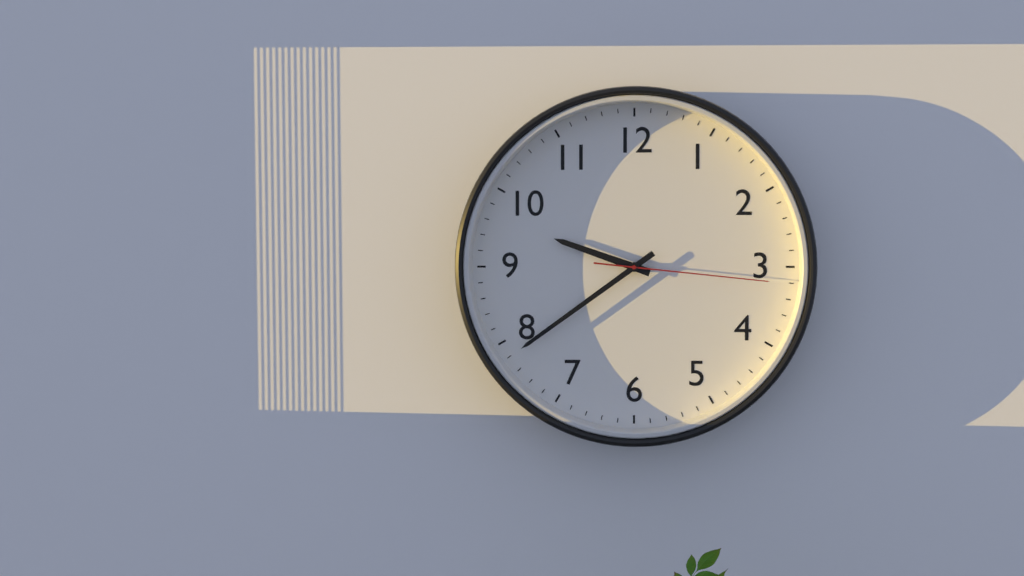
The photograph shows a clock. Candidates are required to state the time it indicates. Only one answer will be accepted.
9:39:16
